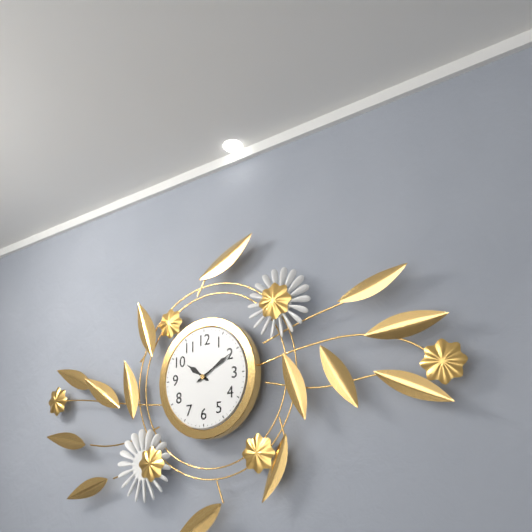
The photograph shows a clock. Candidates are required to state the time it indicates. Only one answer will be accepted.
10:10
